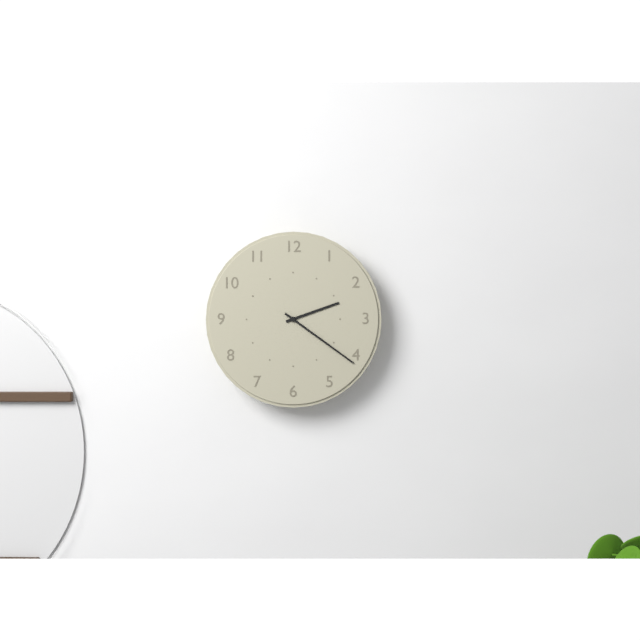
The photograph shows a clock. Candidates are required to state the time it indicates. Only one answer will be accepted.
2:21
